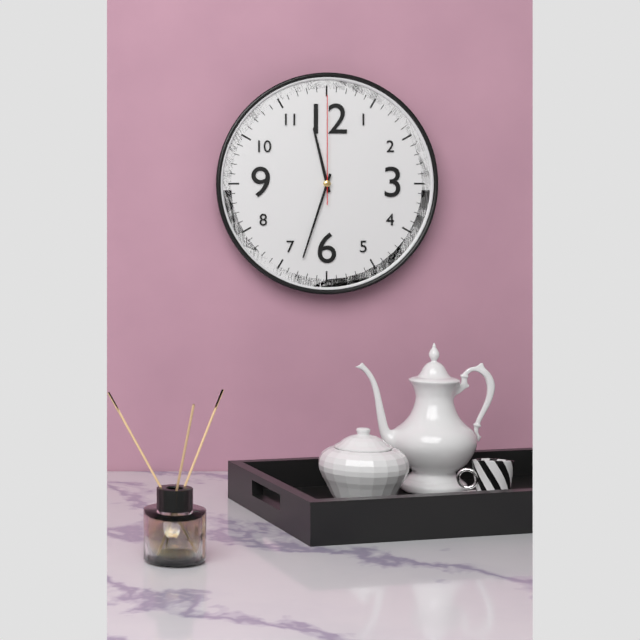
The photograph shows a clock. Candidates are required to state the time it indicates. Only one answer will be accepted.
11:33:00
